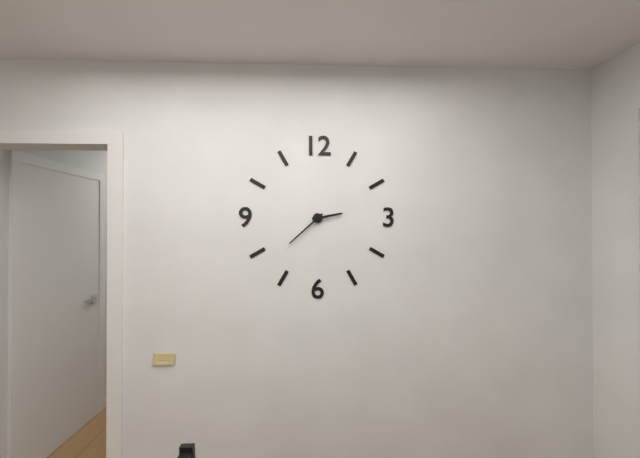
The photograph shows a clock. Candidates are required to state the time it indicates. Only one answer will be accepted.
2:38
